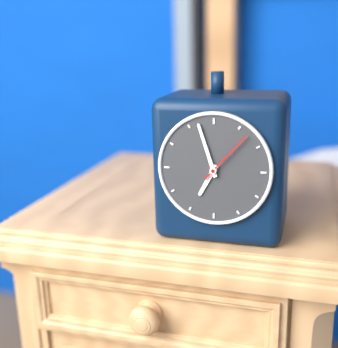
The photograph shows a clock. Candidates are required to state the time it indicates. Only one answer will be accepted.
6:57:07
